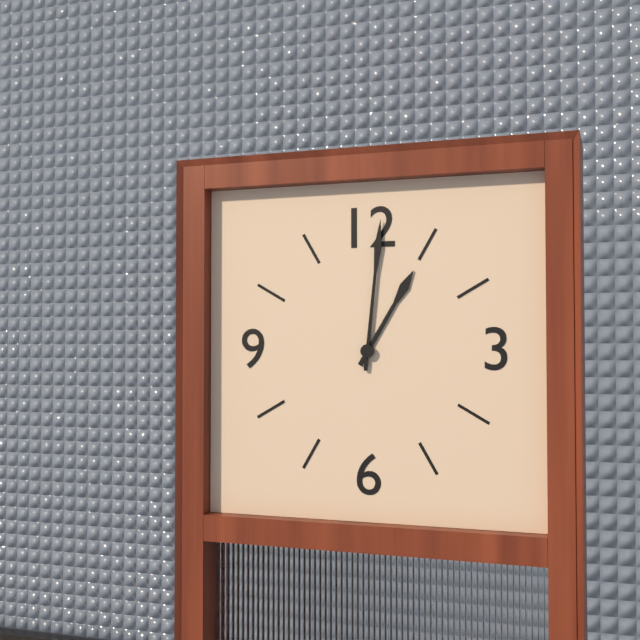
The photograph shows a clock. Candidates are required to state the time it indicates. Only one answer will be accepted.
1:01
